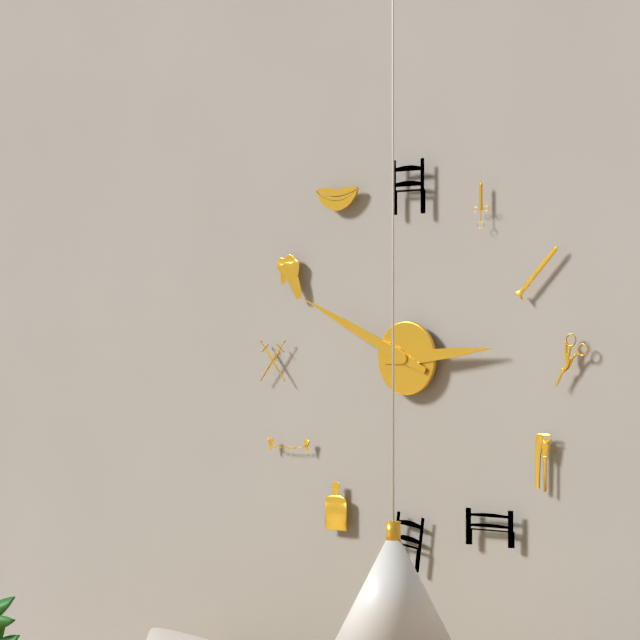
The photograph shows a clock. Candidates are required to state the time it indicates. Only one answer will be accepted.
2:49
